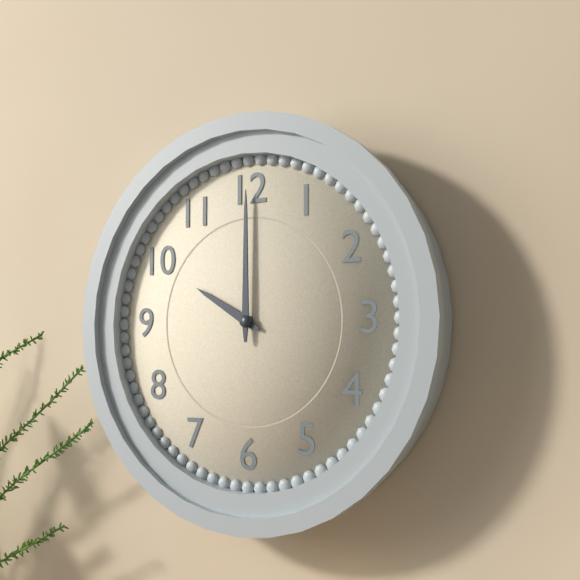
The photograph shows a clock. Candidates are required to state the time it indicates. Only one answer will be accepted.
10:00
